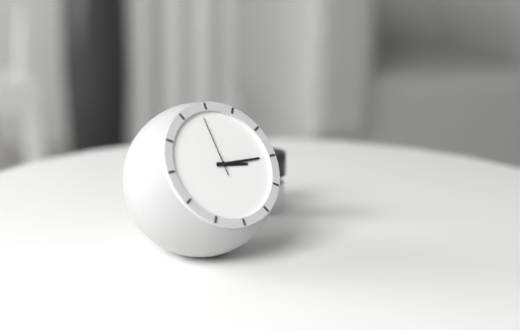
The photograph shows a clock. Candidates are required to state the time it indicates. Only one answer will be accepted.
3:15:59
